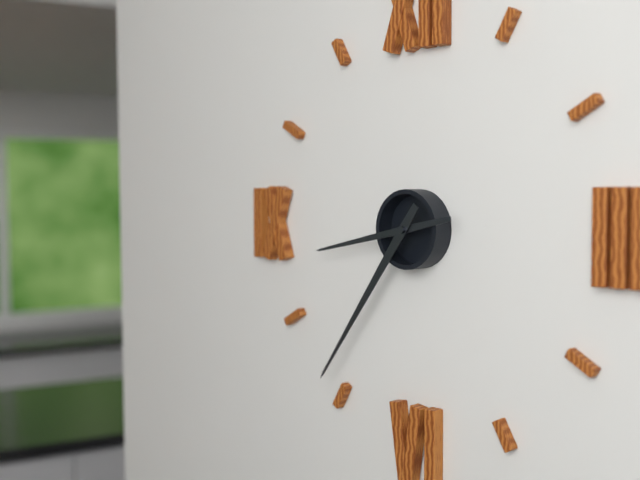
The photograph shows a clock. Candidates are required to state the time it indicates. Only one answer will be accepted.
8:36
